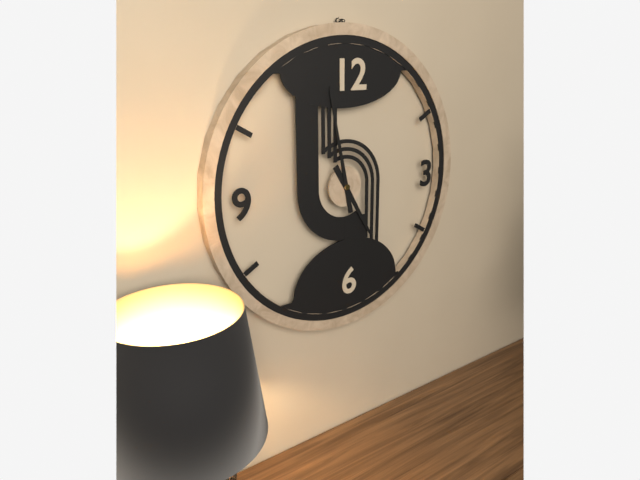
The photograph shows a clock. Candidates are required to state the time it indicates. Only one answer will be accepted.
4:58
